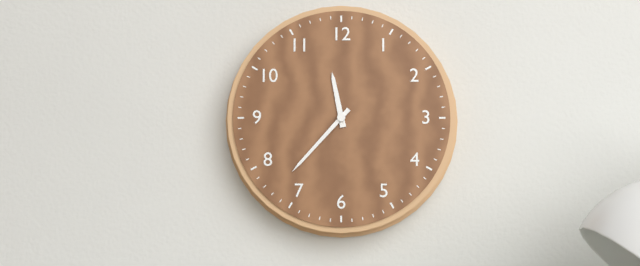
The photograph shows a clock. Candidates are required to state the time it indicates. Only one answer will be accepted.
11:37
